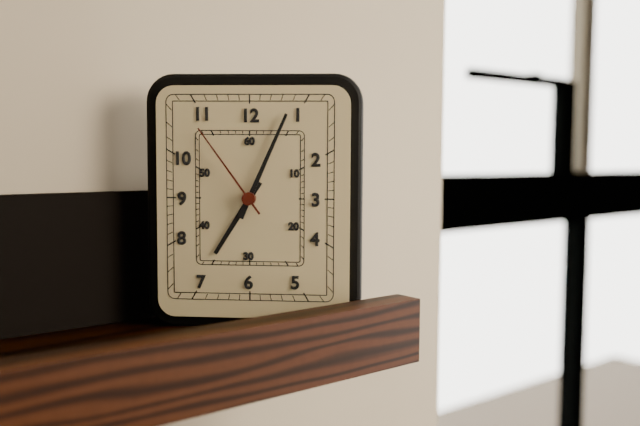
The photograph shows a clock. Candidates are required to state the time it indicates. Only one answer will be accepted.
7:04:54
